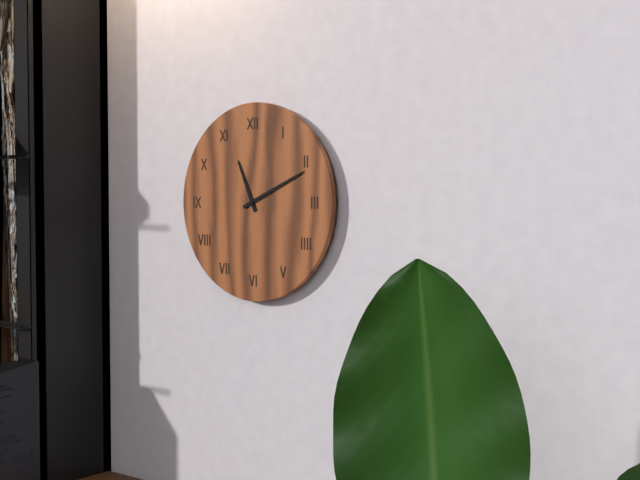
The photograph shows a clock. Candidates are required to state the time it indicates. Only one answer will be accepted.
11:11
